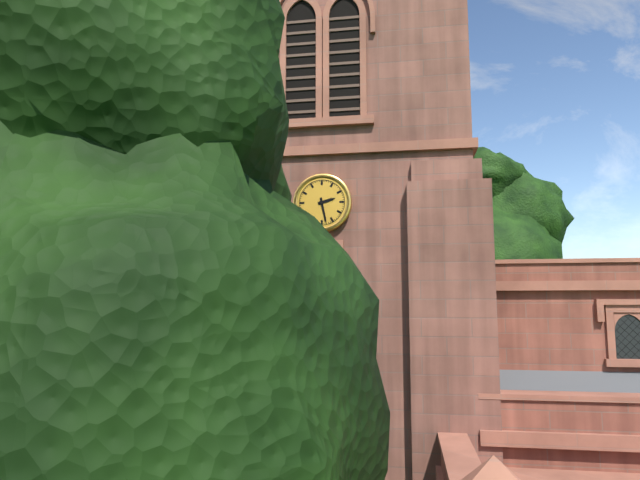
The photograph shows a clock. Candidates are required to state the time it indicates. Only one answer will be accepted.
2:28
